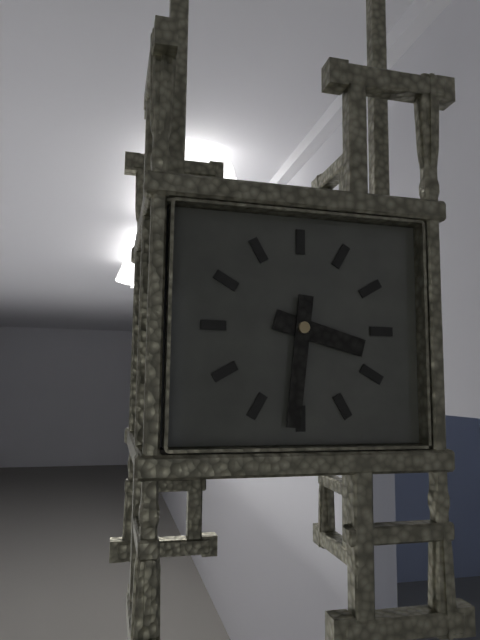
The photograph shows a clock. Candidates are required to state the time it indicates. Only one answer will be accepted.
3:31
